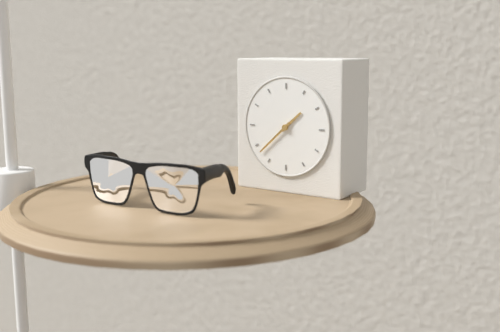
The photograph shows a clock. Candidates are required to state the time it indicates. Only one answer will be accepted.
1:38
